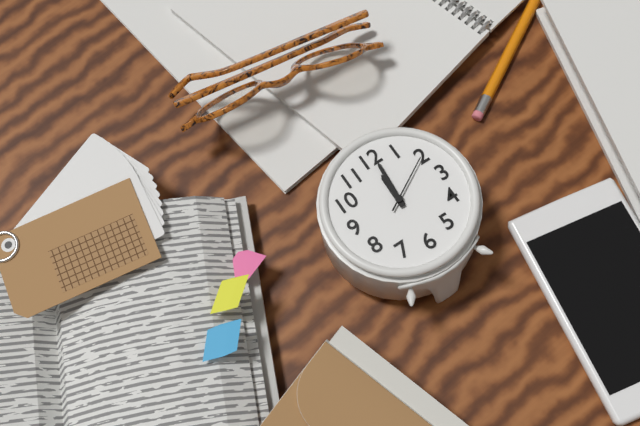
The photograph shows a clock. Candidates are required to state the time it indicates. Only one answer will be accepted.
12:01:10
